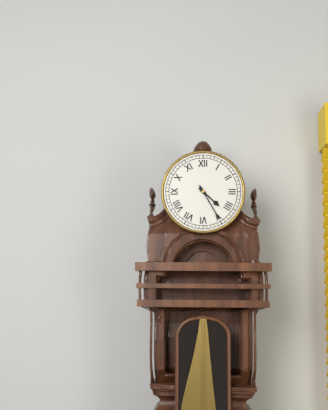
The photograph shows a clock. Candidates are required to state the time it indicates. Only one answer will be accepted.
4:25
